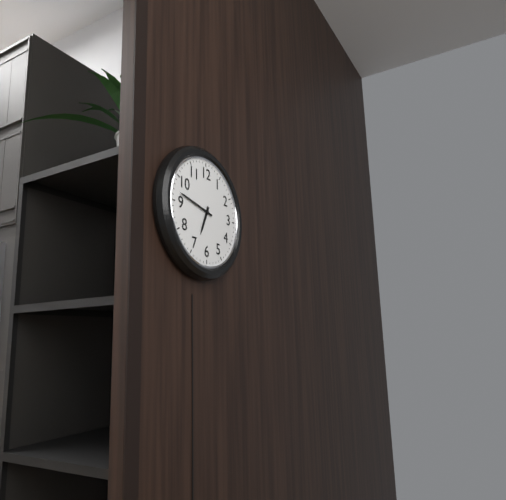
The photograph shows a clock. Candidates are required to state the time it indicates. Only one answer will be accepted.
6:47
